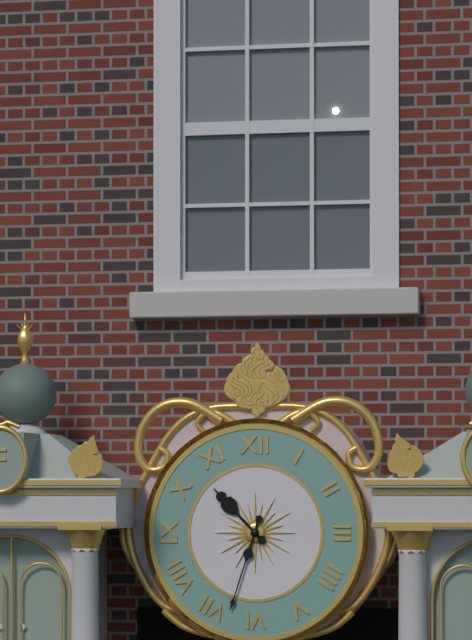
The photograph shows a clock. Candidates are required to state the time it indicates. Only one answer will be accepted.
10:33
